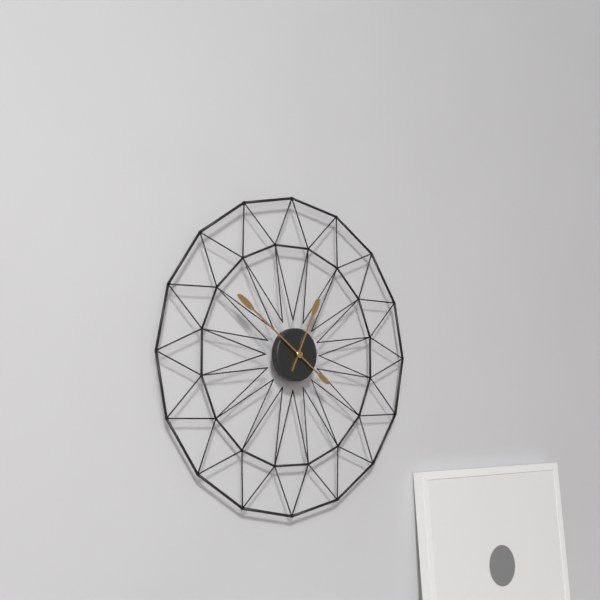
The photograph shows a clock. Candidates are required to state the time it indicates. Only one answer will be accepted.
12:51
